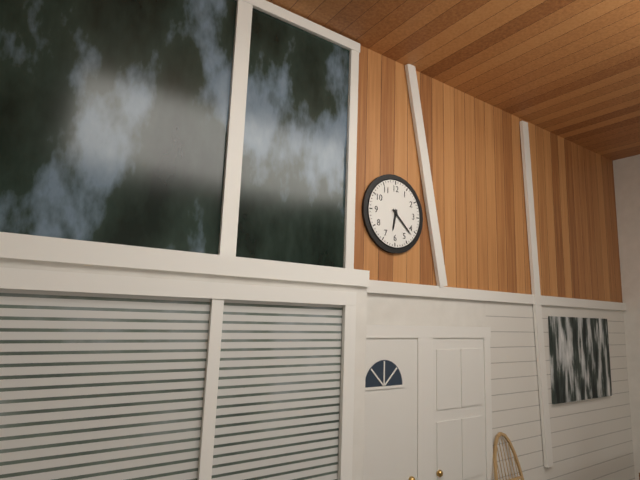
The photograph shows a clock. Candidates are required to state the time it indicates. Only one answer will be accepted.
6:22
